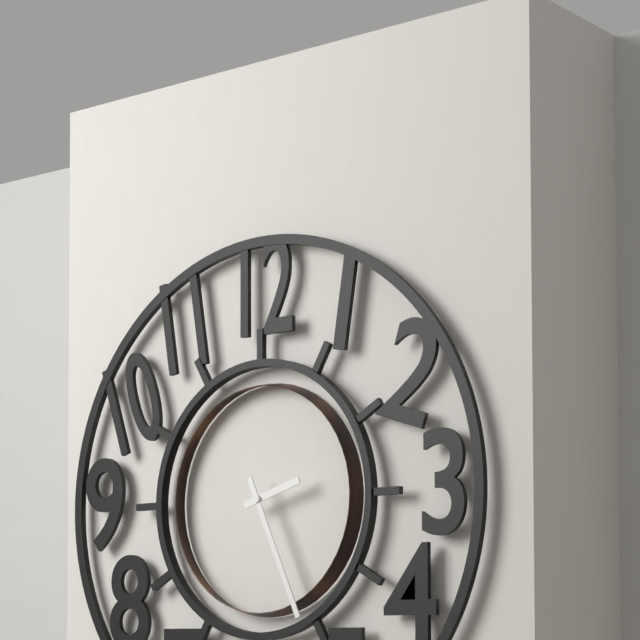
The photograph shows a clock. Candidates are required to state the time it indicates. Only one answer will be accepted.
2:26
